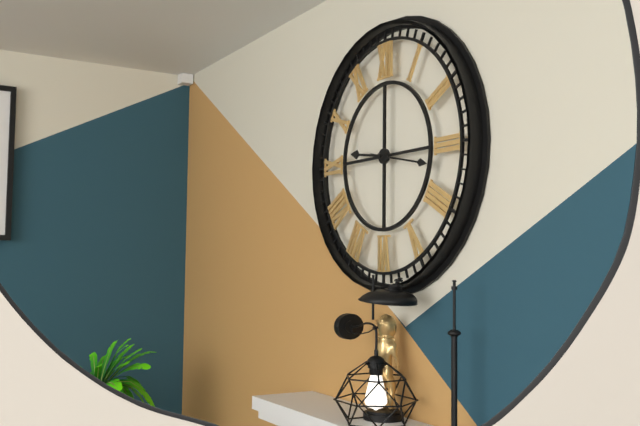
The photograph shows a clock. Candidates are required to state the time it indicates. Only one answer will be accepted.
9:17
